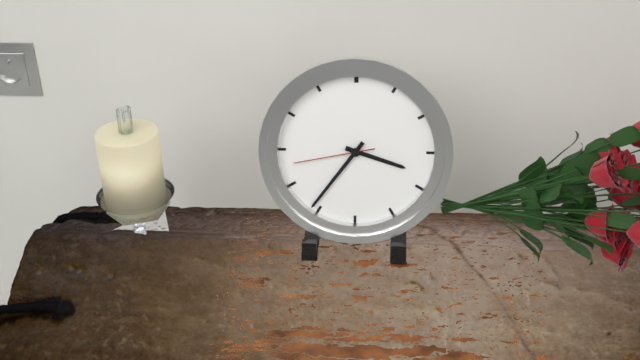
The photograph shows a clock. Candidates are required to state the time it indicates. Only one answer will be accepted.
3:36:43
